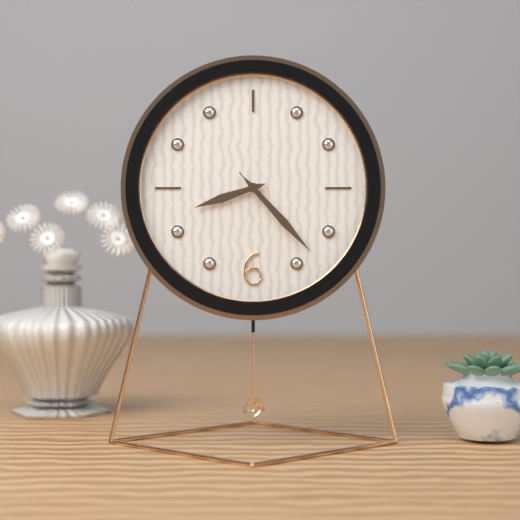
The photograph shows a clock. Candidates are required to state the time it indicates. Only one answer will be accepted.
8:23:23
